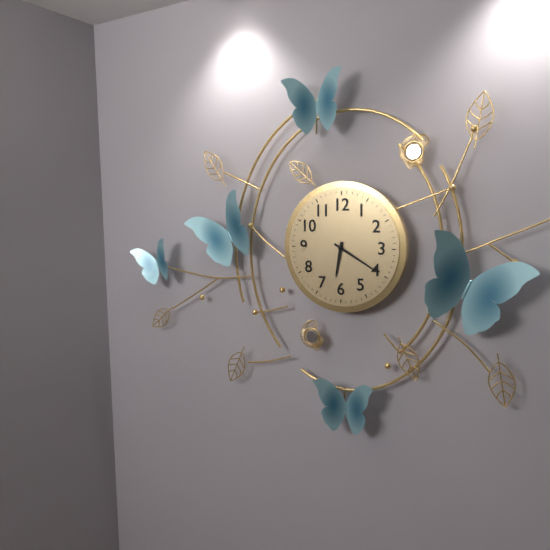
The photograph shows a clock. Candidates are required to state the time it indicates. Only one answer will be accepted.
6:20
